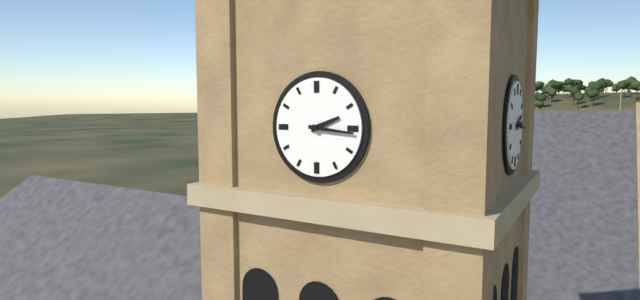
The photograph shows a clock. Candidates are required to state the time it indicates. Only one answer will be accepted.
2:16
